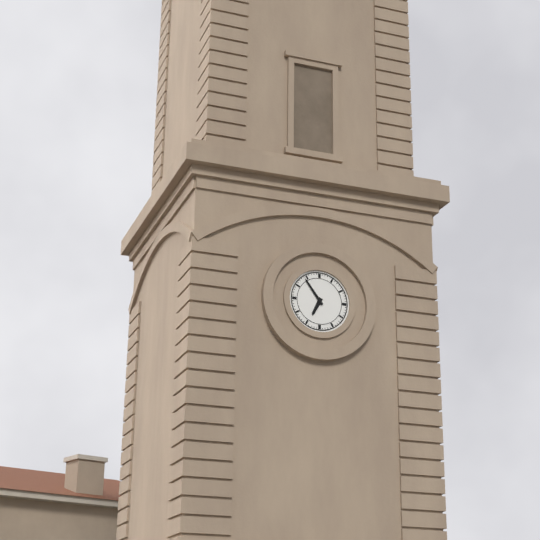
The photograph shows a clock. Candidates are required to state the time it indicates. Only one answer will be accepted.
6:54
